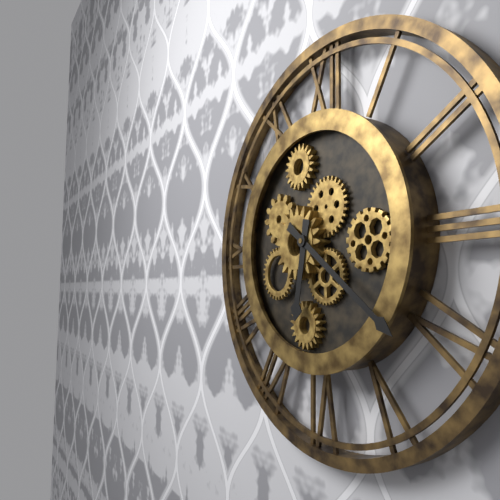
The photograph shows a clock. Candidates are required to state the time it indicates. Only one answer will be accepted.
6:21
